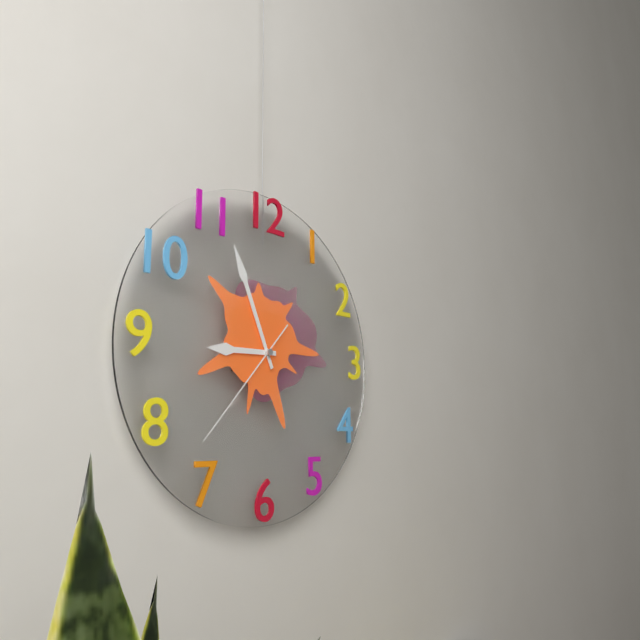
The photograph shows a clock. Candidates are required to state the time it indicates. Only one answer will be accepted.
8:56:37
